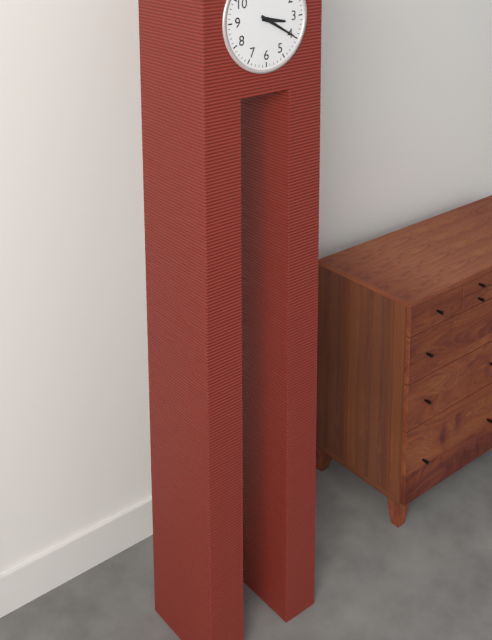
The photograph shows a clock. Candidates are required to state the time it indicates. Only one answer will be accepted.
3:20
